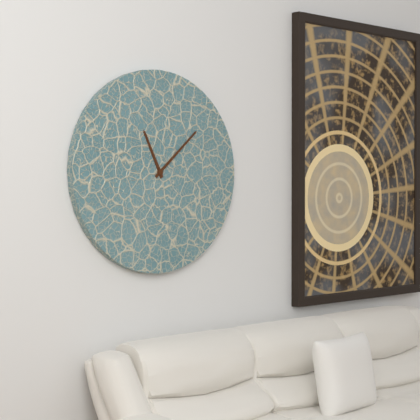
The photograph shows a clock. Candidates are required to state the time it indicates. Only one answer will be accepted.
11:08
